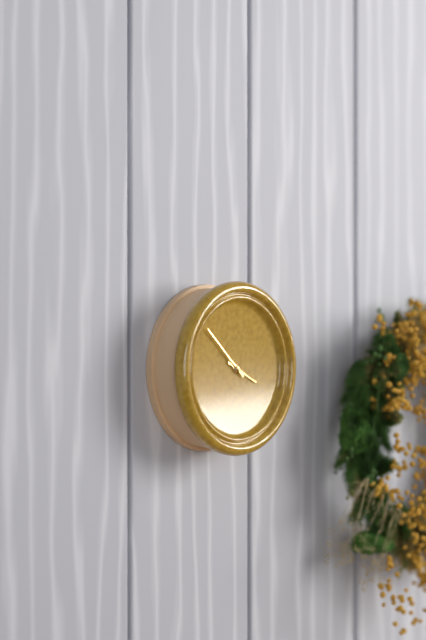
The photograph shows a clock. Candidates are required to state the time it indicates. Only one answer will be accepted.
3:52
